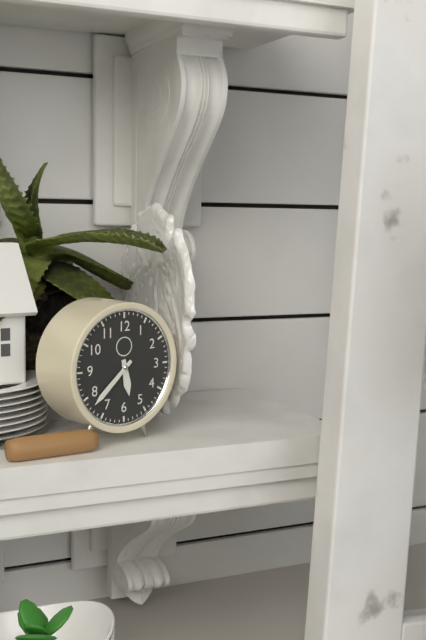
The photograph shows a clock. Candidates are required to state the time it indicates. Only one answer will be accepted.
5:38
